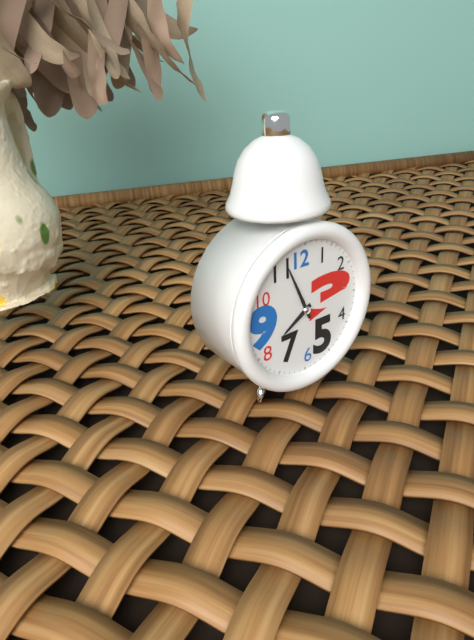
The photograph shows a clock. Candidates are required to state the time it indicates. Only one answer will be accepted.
7:56
